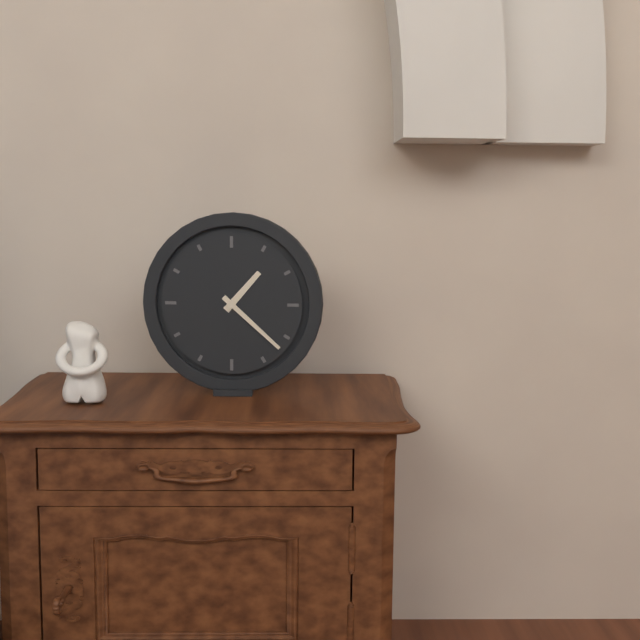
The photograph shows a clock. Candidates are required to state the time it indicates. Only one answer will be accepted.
1:22
